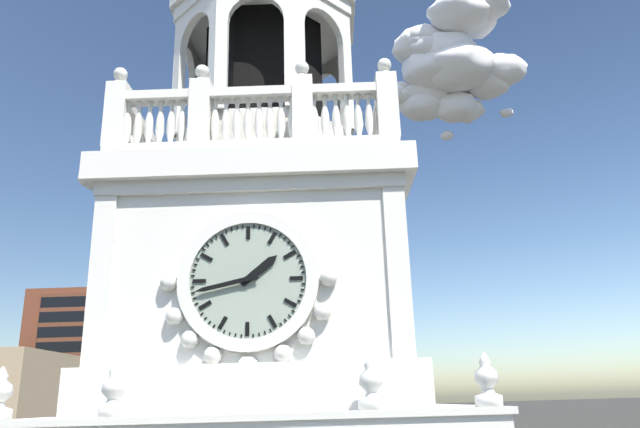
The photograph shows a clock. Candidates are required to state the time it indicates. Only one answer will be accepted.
1:43
